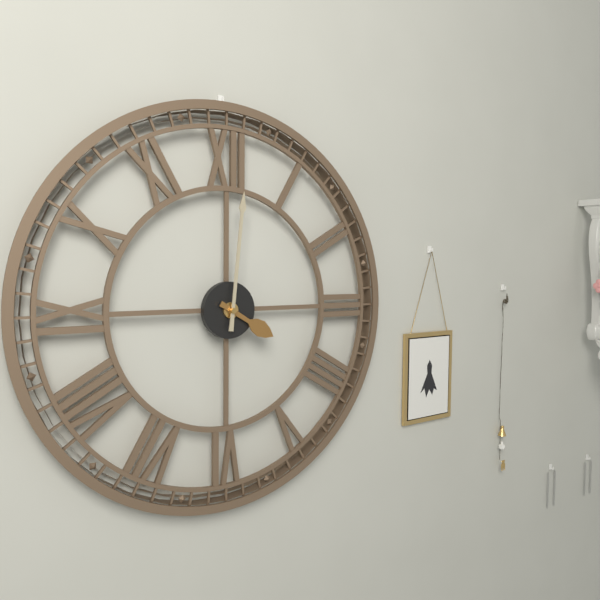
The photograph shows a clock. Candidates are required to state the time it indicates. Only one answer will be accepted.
4:01
